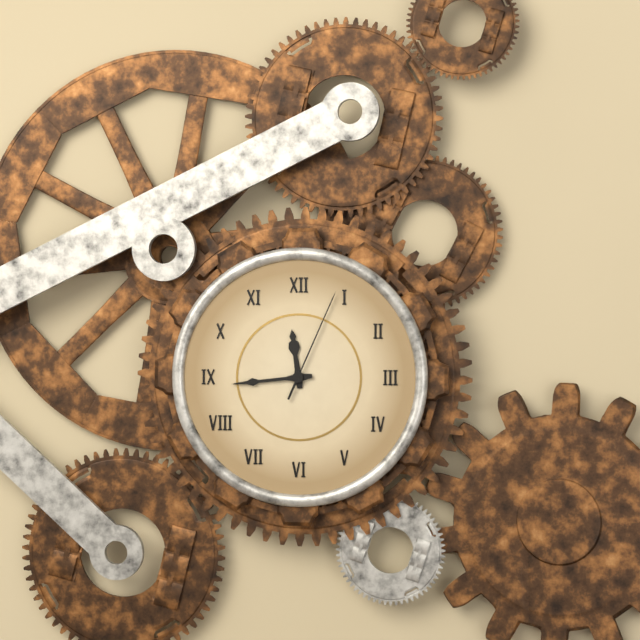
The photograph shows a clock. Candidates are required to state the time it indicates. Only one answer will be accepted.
11:44:04
